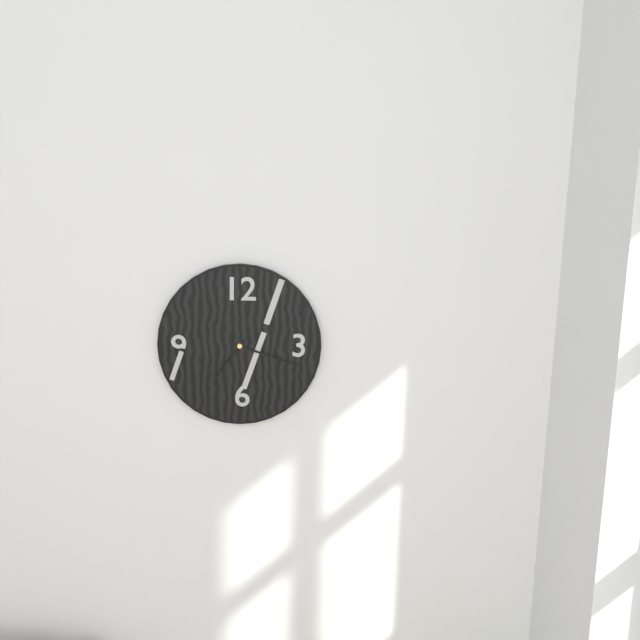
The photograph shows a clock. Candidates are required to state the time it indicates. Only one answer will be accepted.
7:18:36
